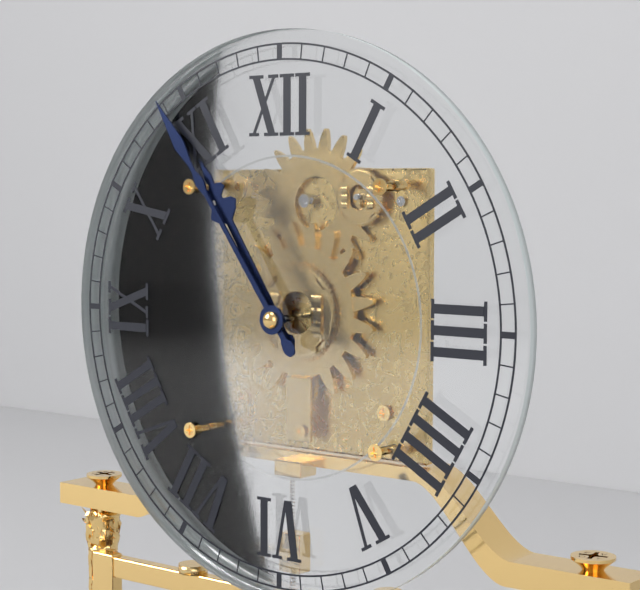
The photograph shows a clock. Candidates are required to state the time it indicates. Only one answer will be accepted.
10:54
